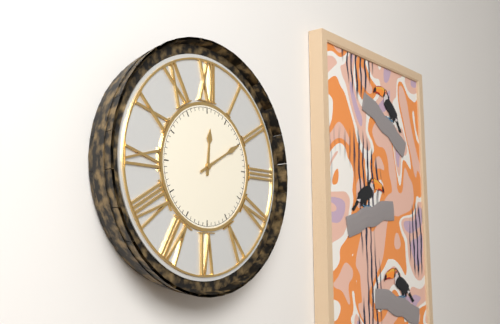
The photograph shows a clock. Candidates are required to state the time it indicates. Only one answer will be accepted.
12:10
